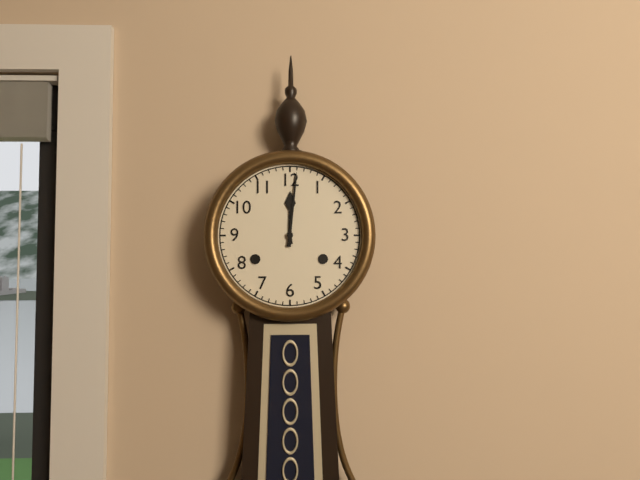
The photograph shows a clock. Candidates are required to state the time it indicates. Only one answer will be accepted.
12:01
